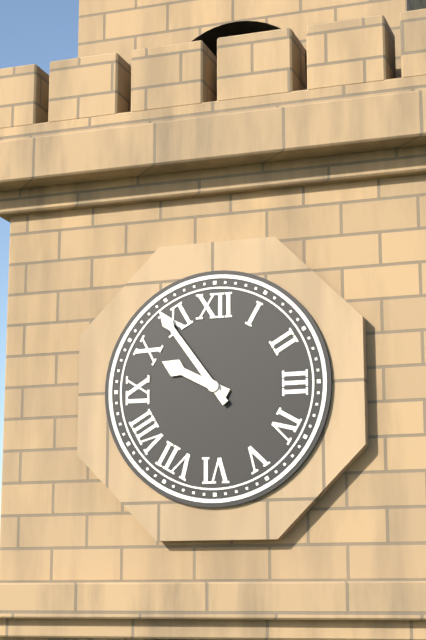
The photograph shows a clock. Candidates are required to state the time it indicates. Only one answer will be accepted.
9:54
